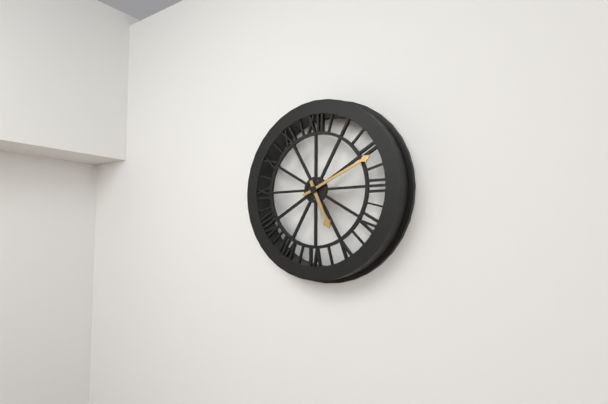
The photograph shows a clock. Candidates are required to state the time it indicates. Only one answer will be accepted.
5:11
